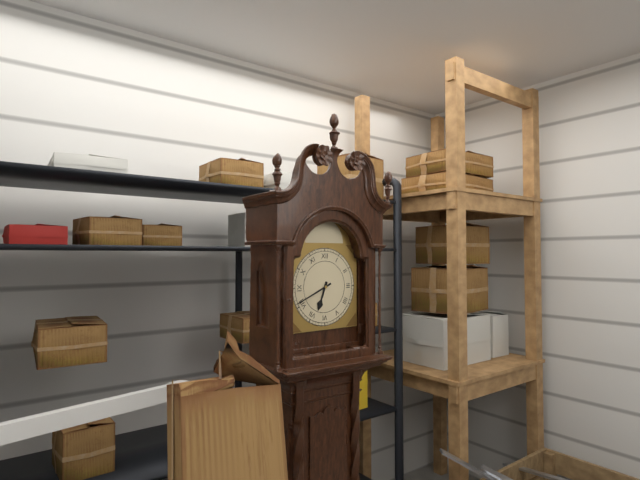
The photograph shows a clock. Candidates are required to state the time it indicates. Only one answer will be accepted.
6:41
